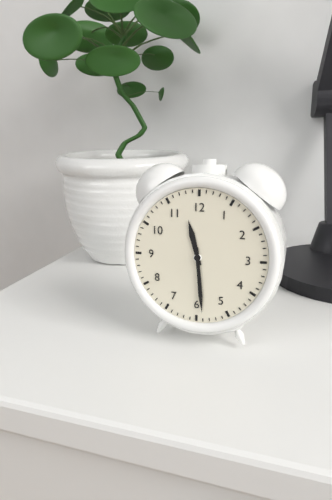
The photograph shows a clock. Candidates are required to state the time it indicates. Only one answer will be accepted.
11:29
